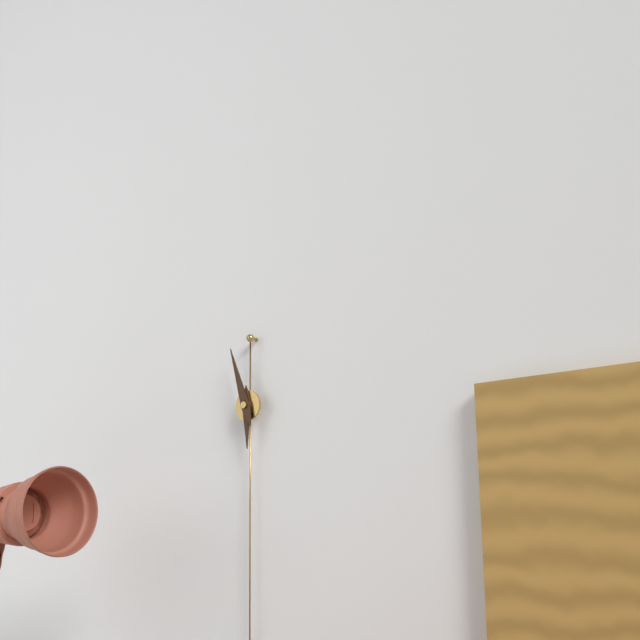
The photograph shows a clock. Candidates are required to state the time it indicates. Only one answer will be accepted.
5:57
